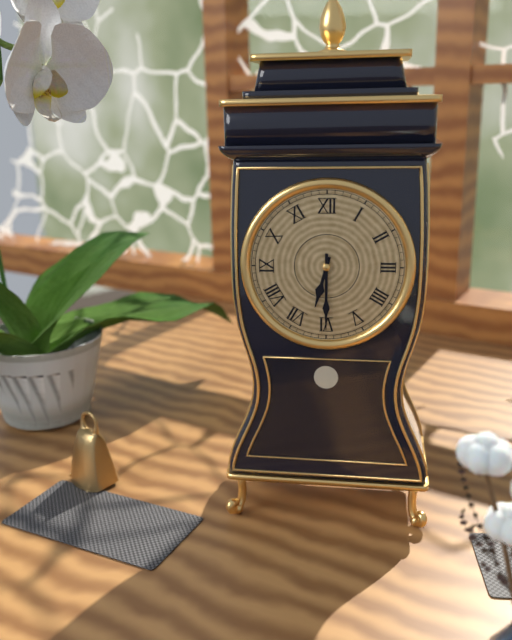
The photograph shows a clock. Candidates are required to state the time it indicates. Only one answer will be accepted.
6:30
